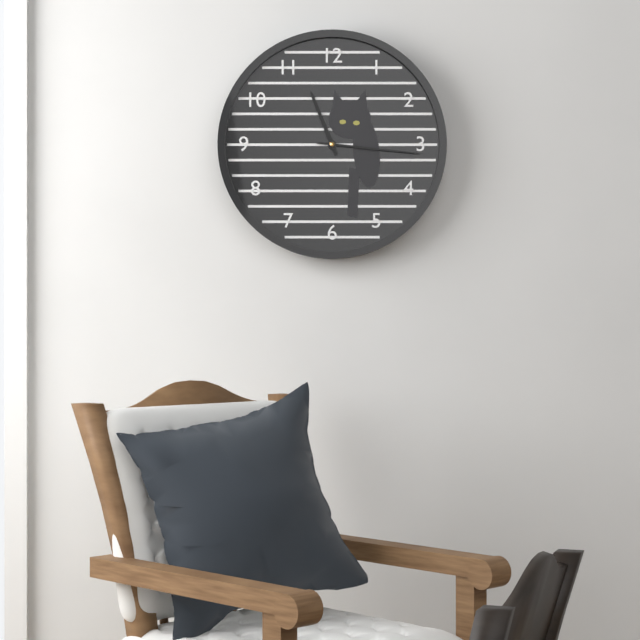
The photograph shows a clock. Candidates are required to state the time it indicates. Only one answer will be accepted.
11:16
